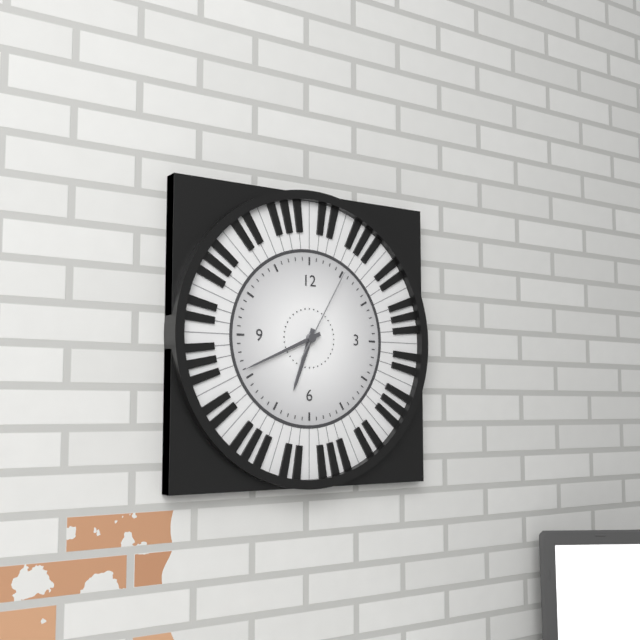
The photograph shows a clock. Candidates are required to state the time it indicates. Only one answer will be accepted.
6:41:05
